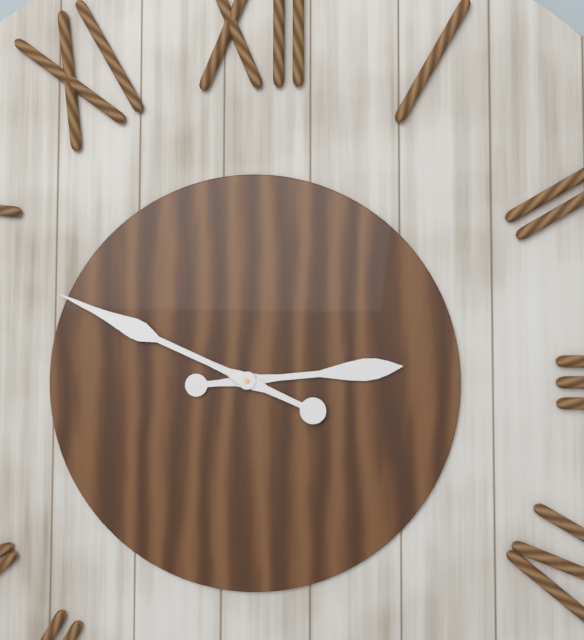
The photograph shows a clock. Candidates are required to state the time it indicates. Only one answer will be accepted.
2:49
